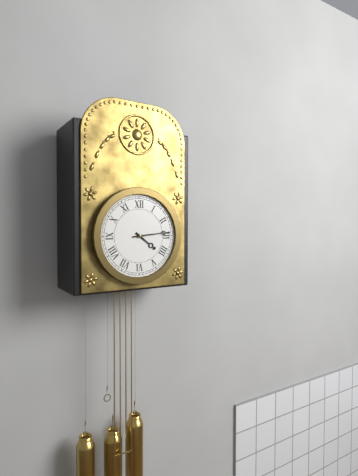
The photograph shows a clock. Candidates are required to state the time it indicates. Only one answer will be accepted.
4:14
